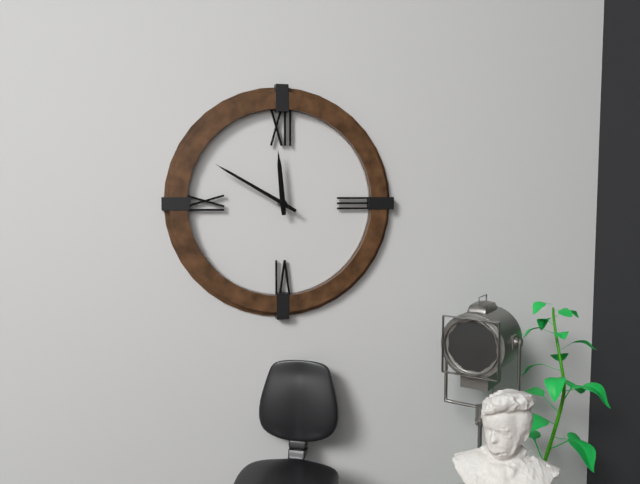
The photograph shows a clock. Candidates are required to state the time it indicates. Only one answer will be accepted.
11:50
